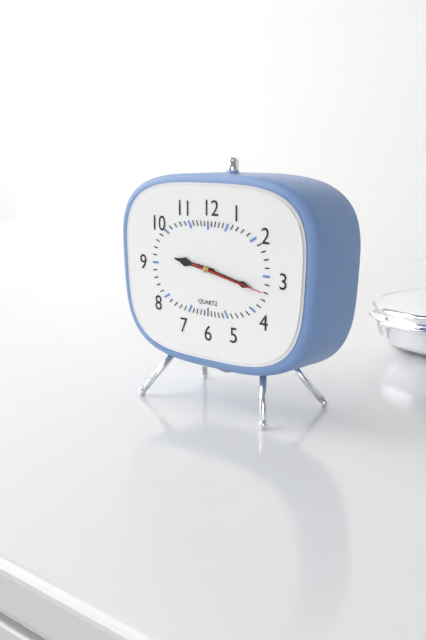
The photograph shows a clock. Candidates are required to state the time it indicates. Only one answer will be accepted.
9:17:17
